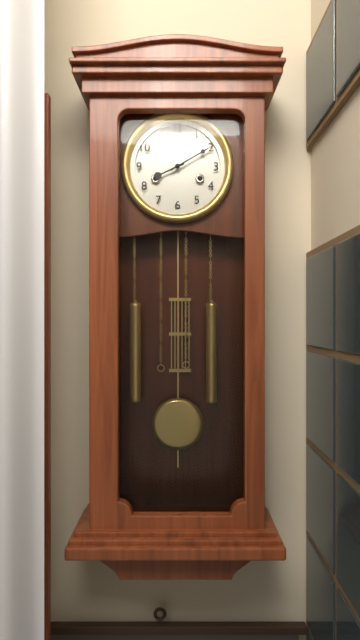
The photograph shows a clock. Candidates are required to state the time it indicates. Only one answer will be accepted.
8:10
